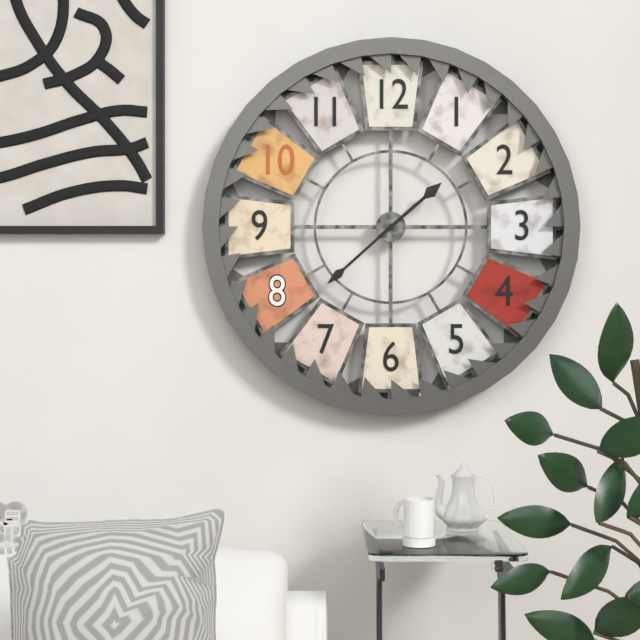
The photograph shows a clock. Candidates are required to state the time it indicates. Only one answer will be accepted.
1:38
